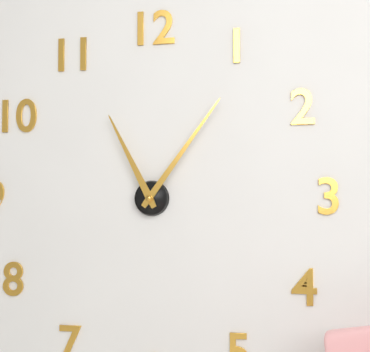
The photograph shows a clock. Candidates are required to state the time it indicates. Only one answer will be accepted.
11:06
